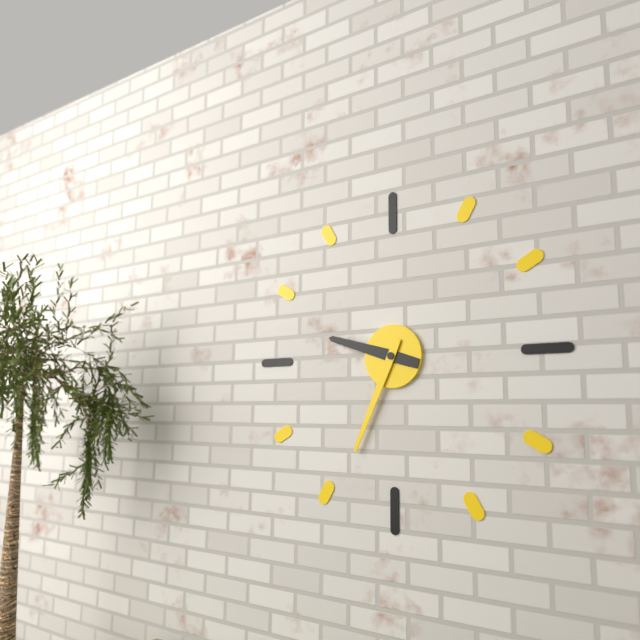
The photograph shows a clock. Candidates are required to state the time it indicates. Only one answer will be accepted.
9:34
